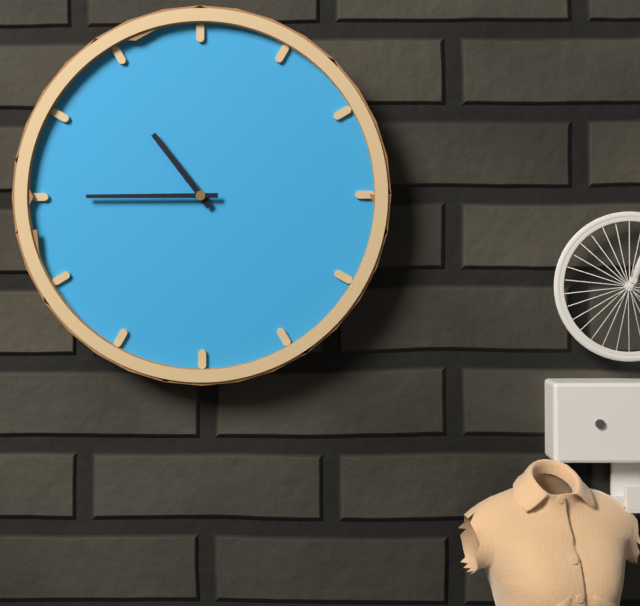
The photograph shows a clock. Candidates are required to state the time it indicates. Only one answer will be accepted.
10:45
